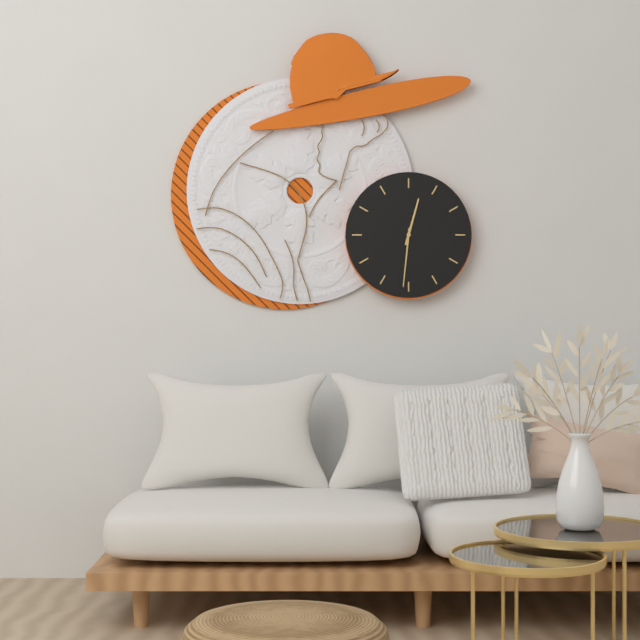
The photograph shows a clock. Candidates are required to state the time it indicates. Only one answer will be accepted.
12:31
